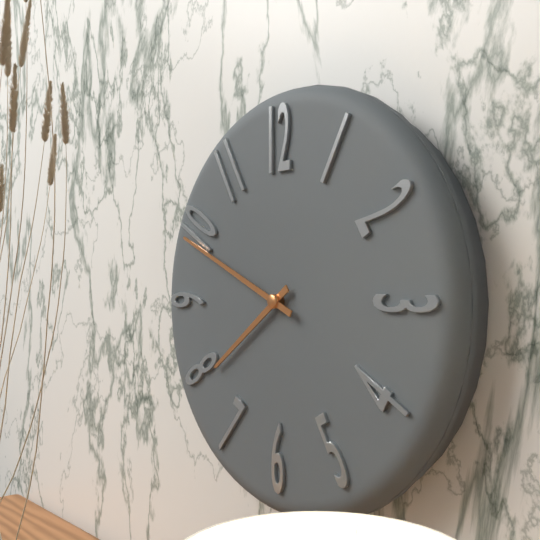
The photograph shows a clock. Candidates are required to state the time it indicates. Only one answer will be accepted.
7:49
